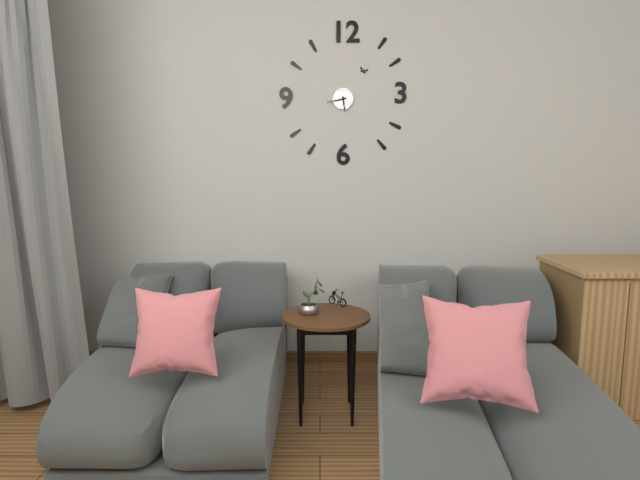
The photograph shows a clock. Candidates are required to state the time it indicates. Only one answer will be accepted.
5:43
